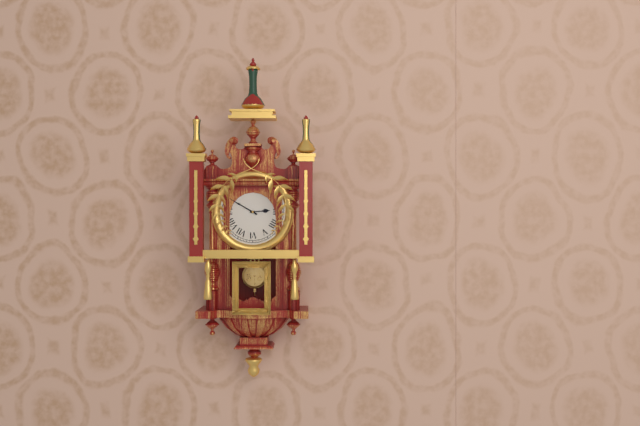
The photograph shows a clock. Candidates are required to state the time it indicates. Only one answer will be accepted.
2:50
